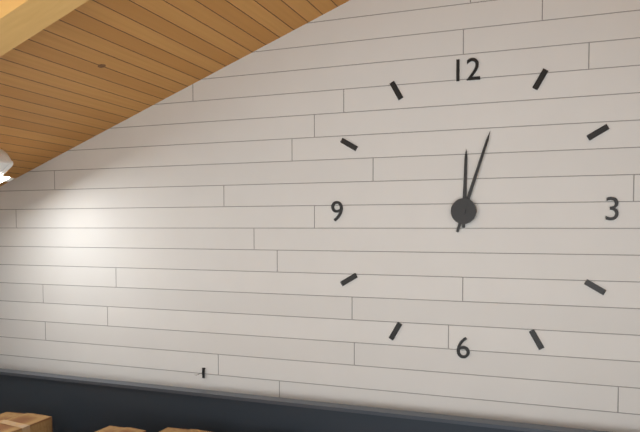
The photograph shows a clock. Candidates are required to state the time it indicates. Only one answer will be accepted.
12:03
